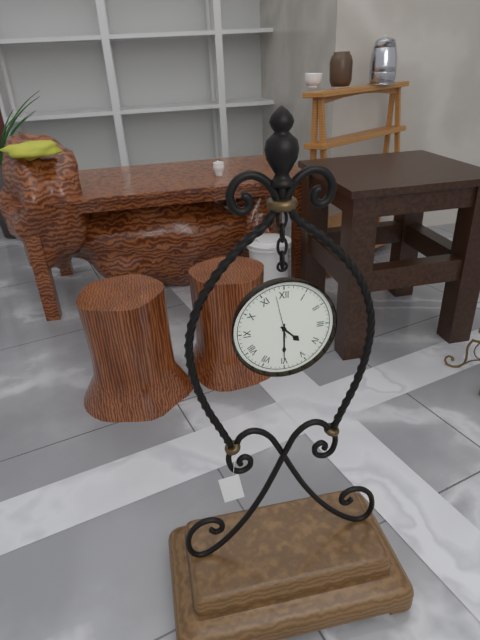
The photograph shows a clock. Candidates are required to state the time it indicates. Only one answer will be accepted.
4:30
